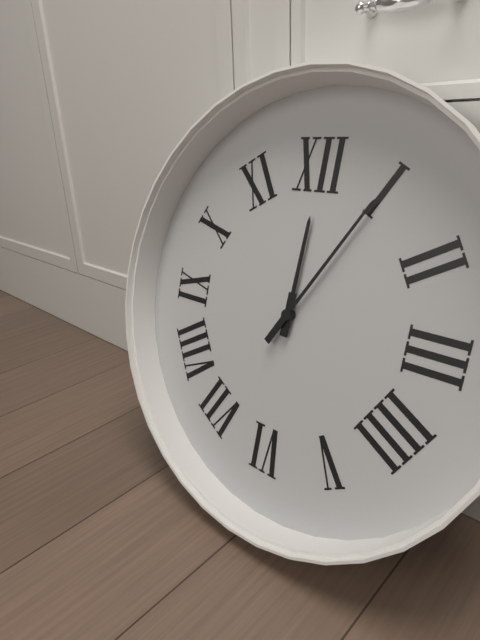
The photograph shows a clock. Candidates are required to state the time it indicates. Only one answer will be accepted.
12:05
